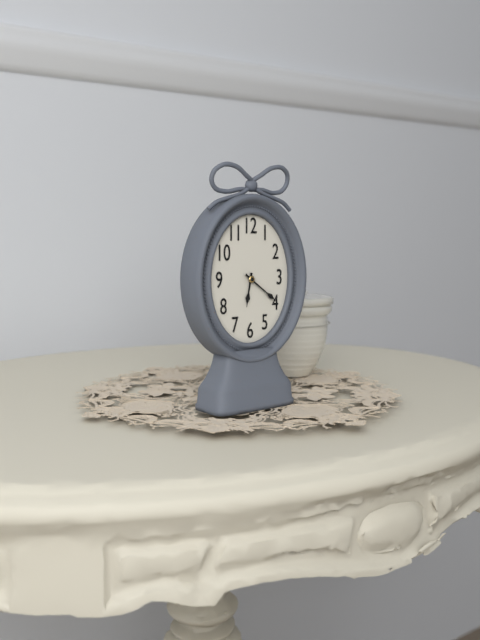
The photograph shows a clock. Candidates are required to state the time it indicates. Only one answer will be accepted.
6:21
